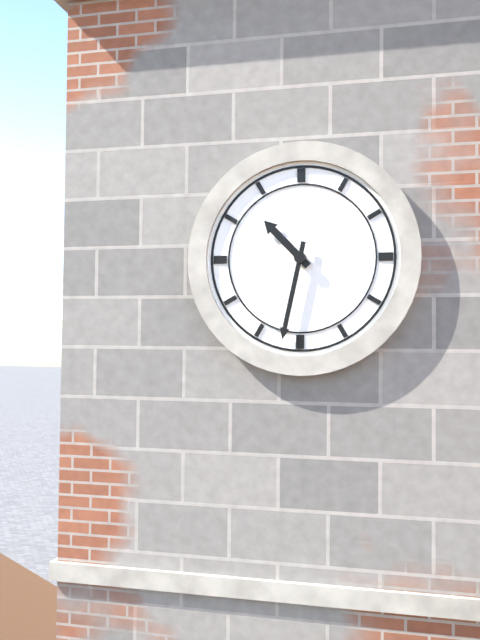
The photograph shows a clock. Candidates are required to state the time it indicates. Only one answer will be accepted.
10:32
